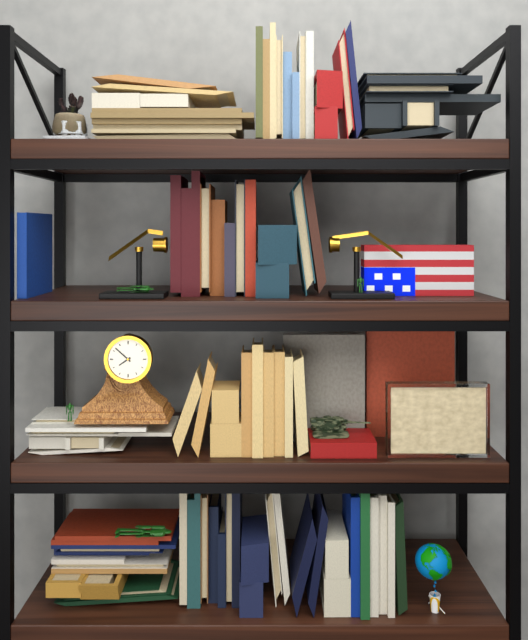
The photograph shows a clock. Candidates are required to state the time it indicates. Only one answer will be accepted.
7:52
